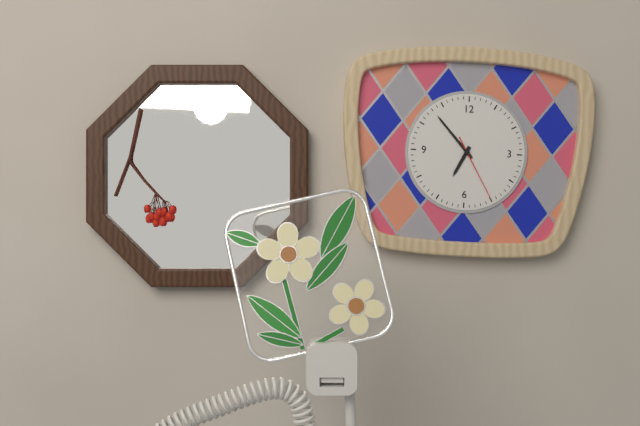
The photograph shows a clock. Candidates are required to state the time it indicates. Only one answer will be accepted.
6:53:25
